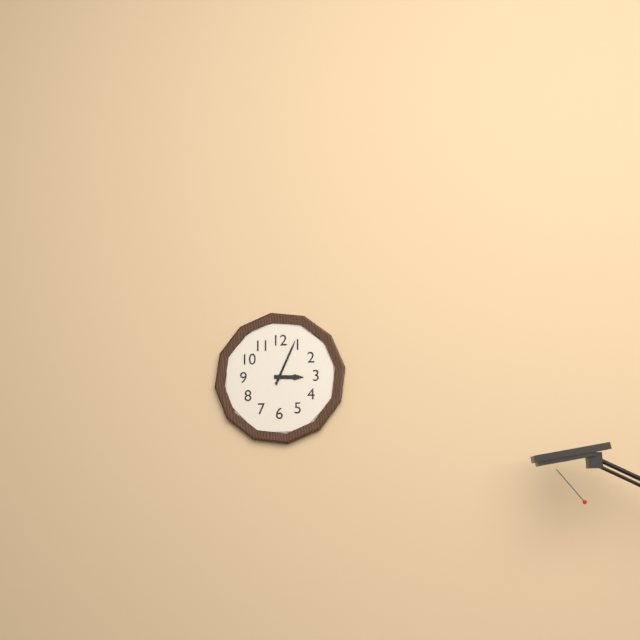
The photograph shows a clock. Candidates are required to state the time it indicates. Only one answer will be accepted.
3:04
